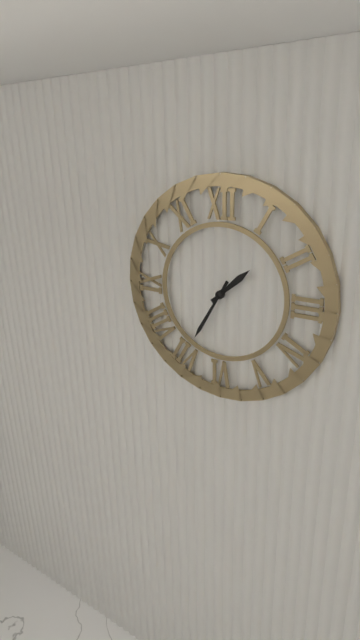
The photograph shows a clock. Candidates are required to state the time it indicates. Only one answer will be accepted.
1:35
